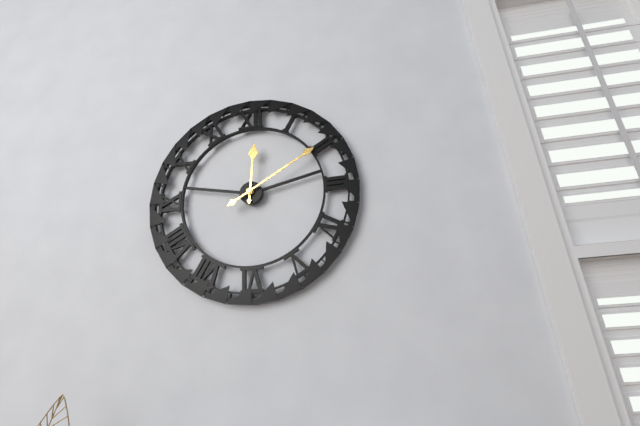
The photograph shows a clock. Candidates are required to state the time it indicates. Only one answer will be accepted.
12:10
